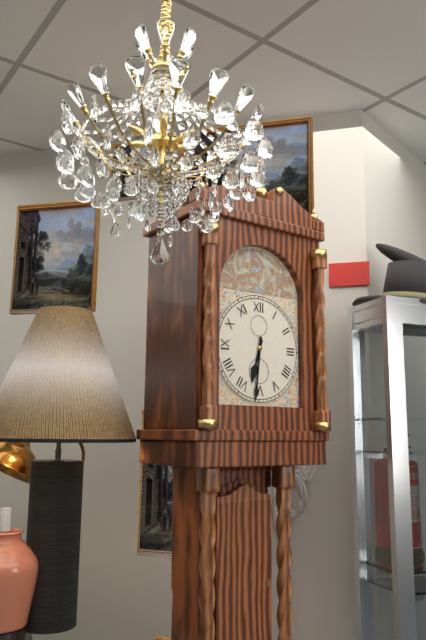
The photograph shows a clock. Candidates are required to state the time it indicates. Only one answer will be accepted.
6:31
